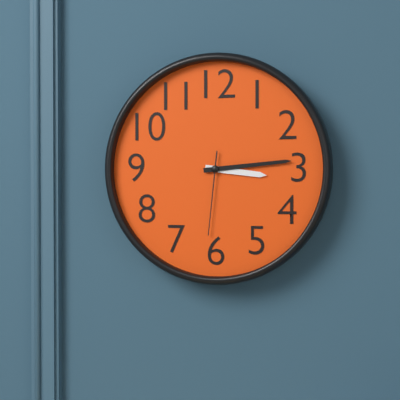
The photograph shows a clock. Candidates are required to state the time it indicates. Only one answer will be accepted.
3:14:31
